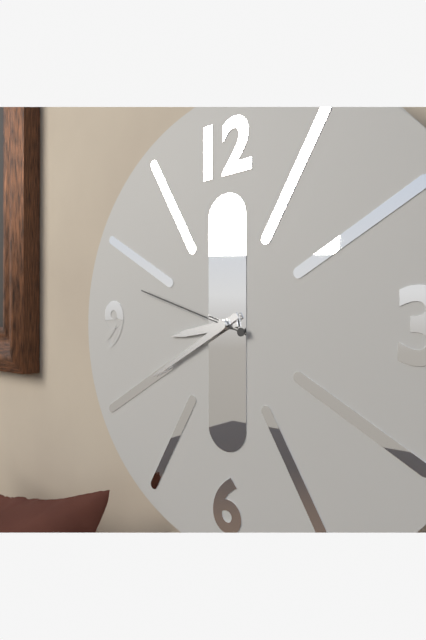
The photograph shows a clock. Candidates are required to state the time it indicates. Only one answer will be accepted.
8:40:48
